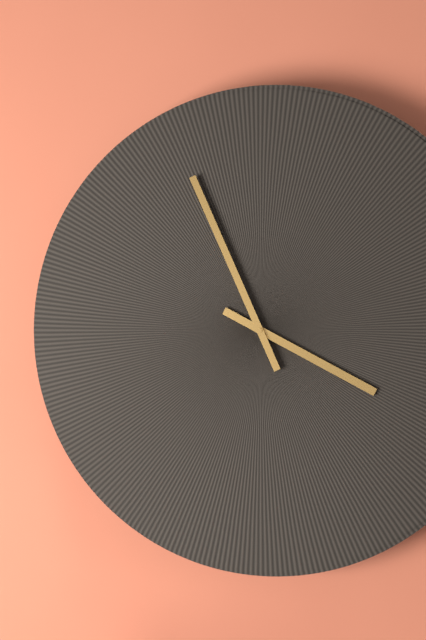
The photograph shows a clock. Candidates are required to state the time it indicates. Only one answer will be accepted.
3:56
